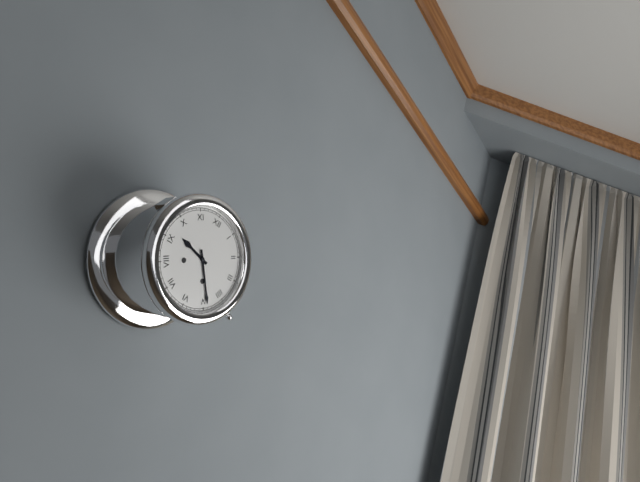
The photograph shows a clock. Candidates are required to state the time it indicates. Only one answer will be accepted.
9:24
